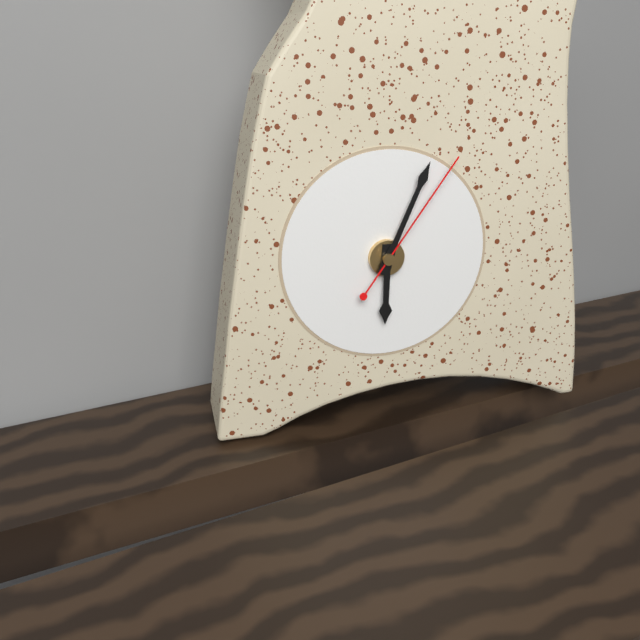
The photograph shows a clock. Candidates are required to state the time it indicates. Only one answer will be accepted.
6:04:06
